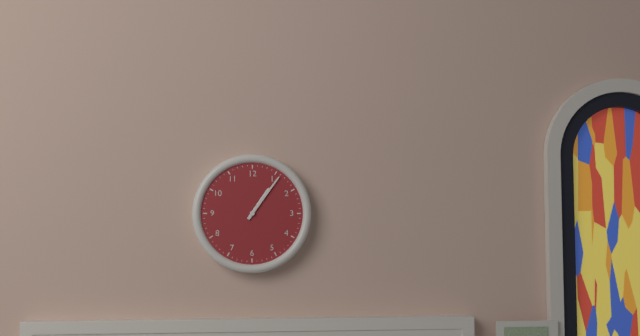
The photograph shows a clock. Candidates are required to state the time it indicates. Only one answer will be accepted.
1:06
